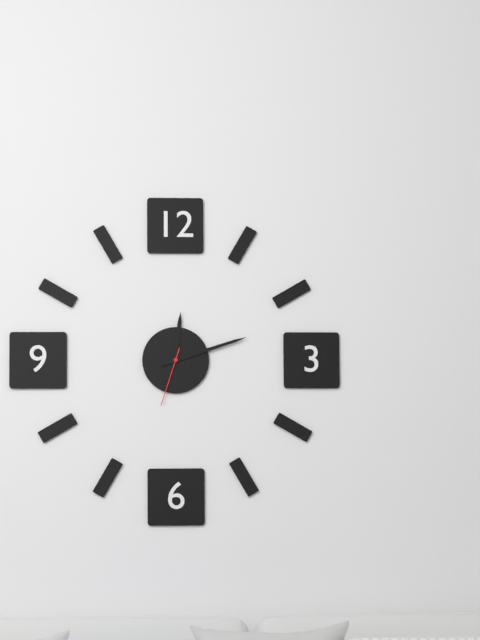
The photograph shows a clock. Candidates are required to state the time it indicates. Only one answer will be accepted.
12:12:33
